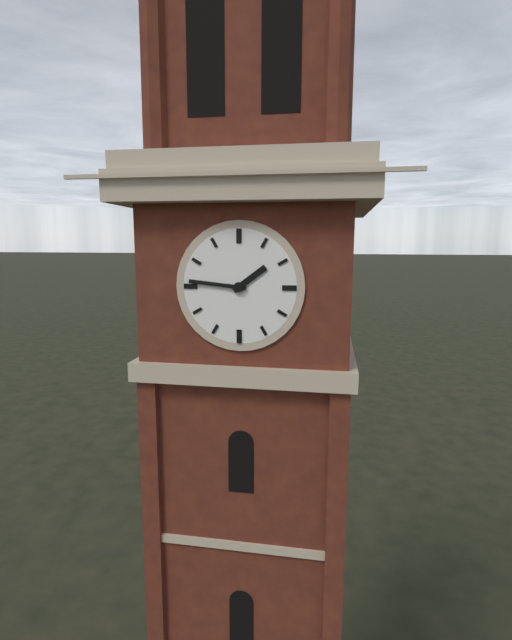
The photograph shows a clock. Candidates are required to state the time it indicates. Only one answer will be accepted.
1:46
